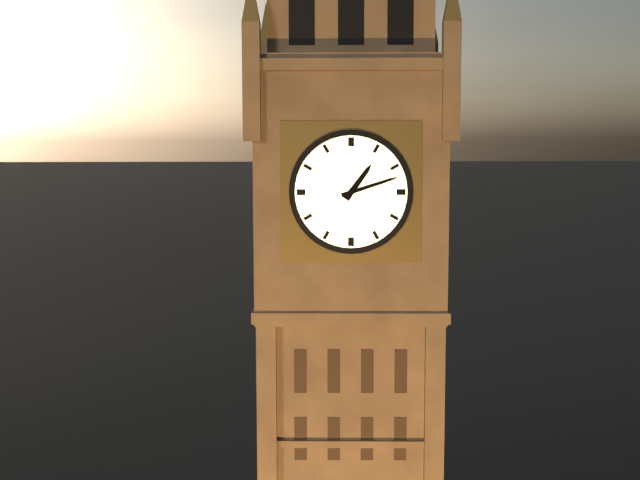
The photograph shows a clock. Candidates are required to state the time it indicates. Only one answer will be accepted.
1:12
